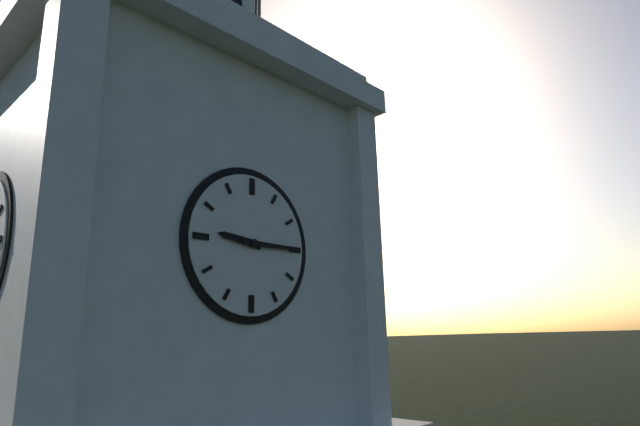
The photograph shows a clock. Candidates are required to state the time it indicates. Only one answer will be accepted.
9:15
